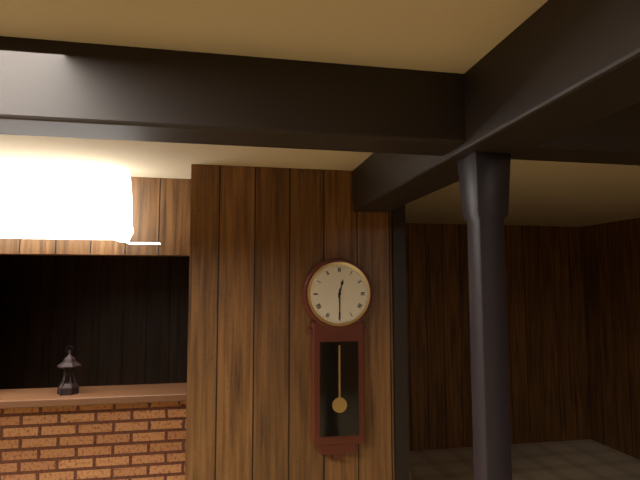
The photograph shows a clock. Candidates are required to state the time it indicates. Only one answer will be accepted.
12:30
